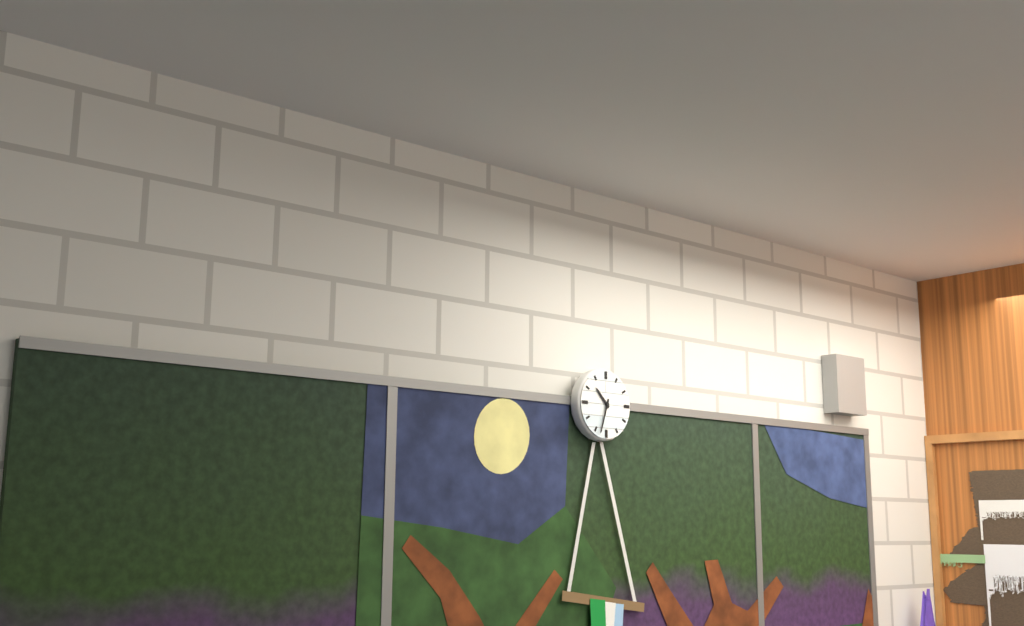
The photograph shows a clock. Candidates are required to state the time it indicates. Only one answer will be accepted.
10:33
